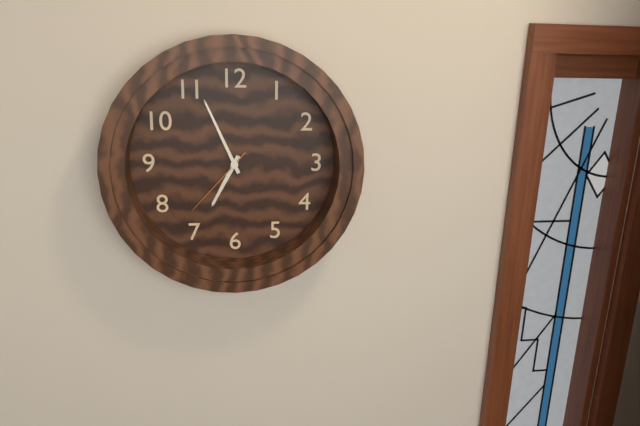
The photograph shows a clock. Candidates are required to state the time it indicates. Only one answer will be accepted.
6:56:37
